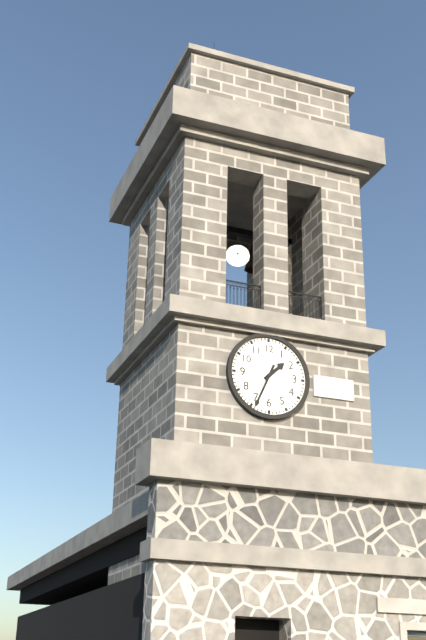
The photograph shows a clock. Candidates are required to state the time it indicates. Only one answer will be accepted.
1:34
